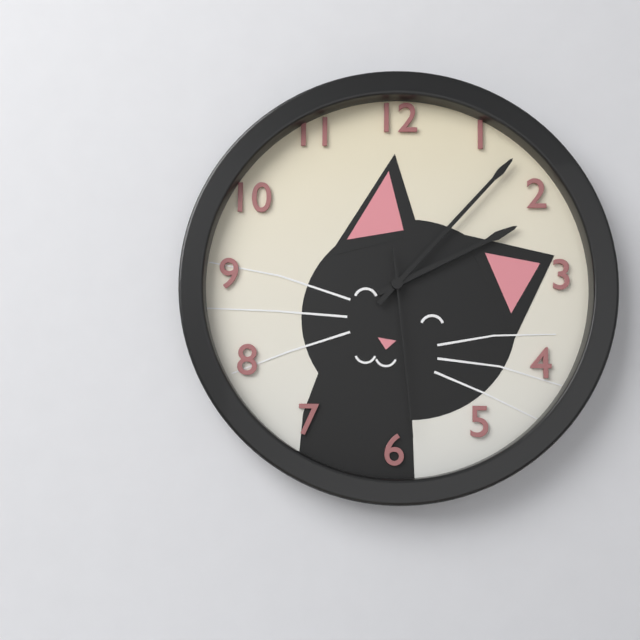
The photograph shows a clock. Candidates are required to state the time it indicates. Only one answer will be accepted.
2:07:29
